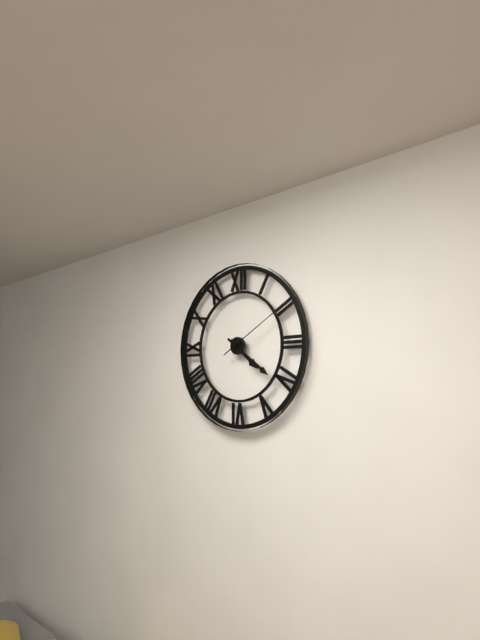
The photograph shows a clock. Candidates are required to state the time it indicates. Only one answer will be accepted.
4:21:10
